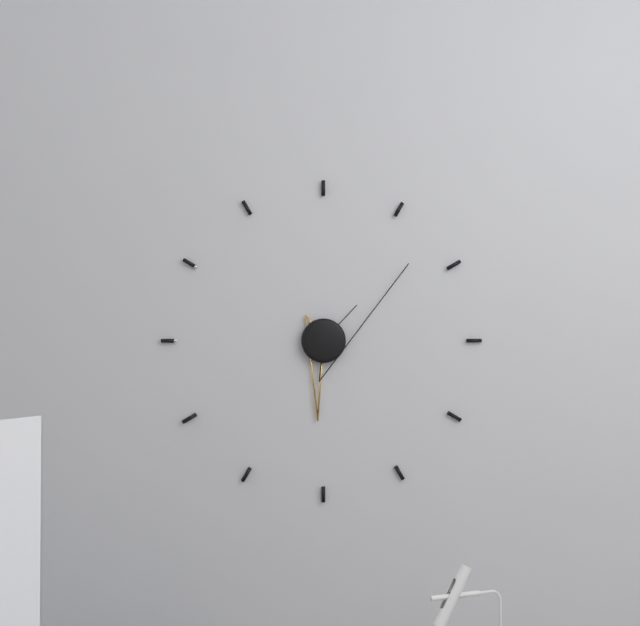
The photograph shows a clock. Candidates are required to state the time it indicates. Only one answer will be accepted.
6:08
